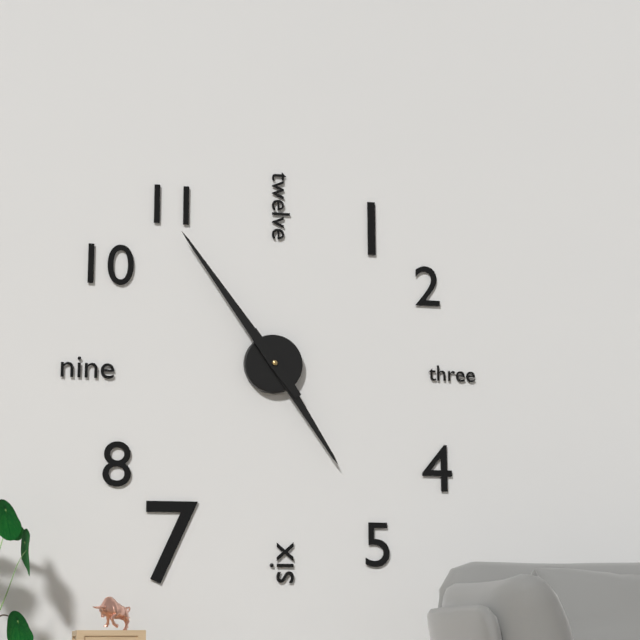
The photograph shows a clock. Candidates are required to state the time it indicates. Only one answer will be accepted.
4:54
